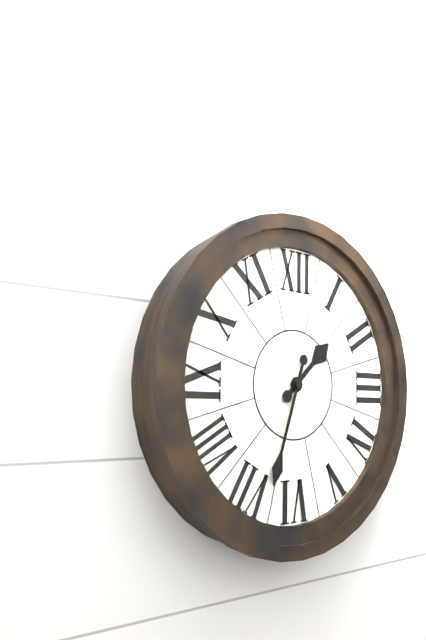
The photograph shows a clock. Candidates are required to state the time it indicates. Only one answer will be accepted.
1:33
